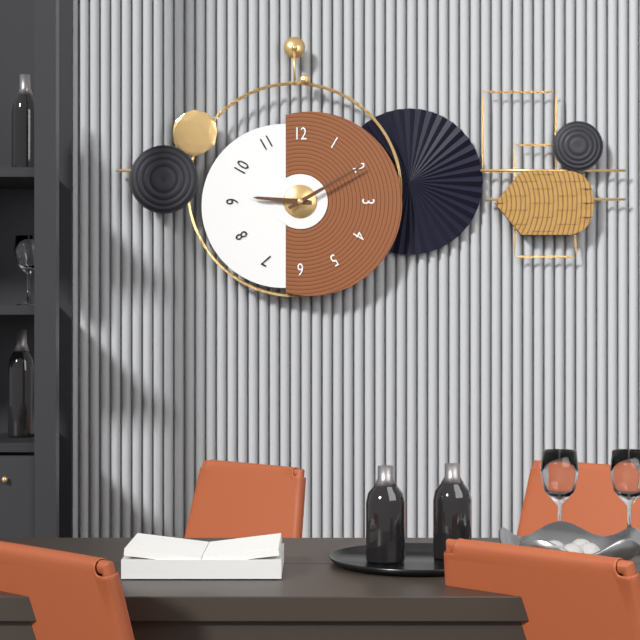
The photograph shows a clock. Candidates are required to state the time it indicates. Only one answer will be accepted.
9:10
